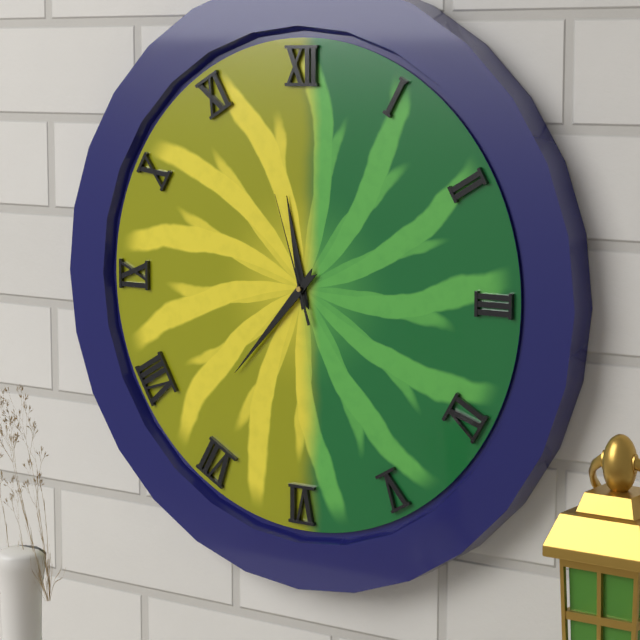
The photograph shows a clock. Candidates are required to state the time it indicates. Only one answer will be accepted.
11:37:57
